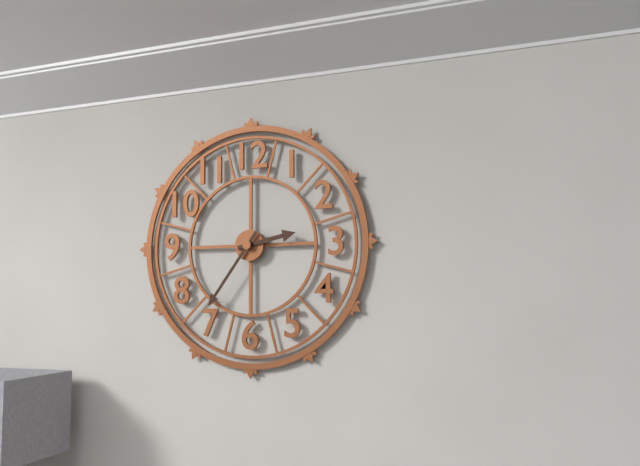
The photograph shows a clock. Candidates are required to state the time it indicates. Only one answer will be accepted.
2:36
